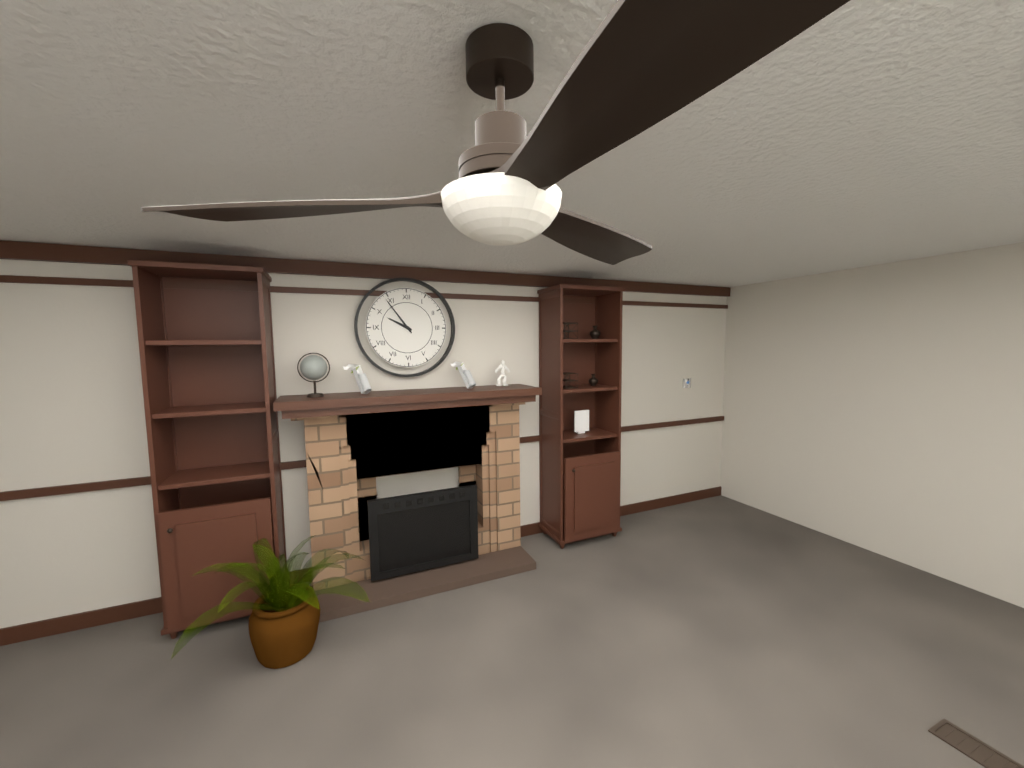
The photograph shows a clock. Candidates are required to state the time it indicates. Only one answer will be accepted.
9:54
